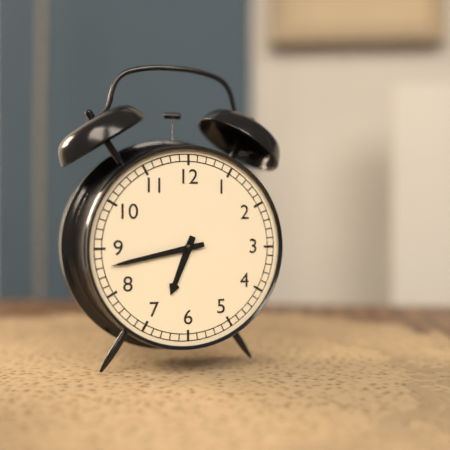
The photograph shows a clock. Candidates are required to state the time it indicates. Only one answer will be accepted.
6:43
